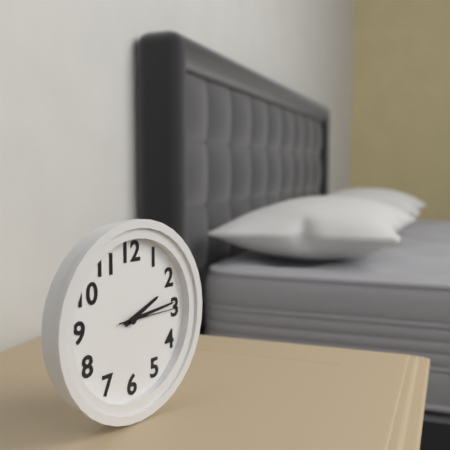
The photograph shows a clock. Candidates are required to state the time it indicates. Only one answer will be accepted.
2:14:15
